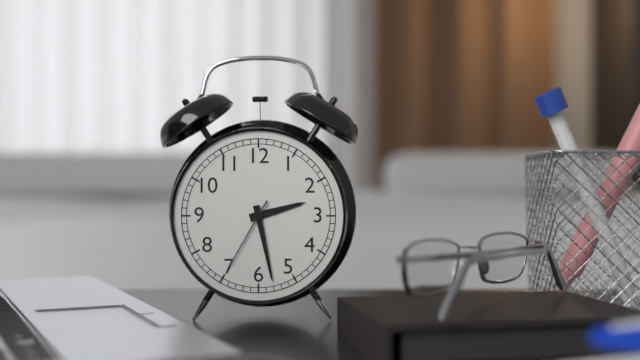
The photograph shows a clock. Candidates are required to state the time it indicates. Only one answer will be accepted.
2:28:35
